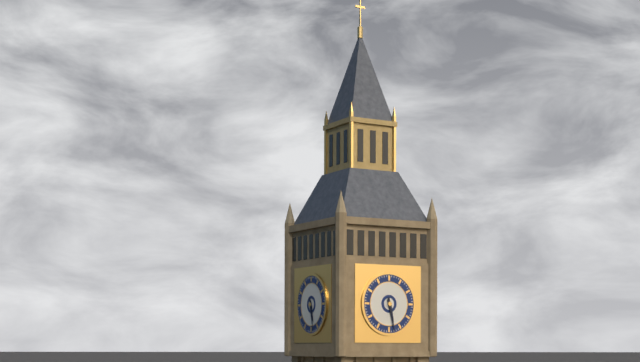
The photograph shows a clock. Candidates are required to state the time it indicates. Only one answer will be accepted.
5:28
